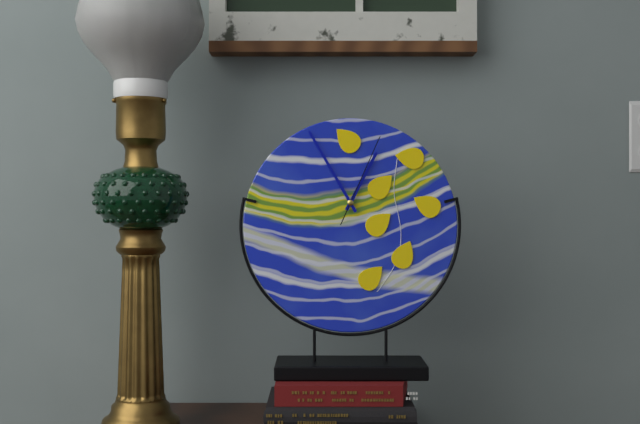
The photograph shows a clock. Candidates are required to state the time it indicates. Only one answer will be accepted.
12:55:04
